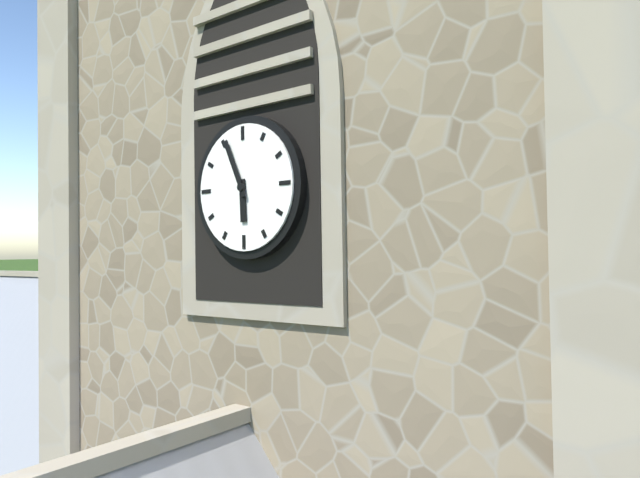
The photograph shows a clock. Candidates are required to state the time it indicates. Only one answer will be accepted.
5:56
